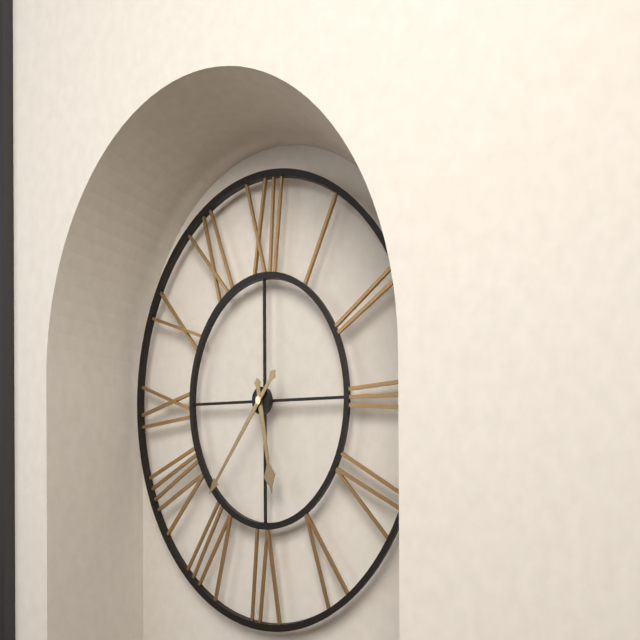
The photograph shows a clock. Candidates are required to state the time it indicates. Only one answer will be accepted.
5:37
